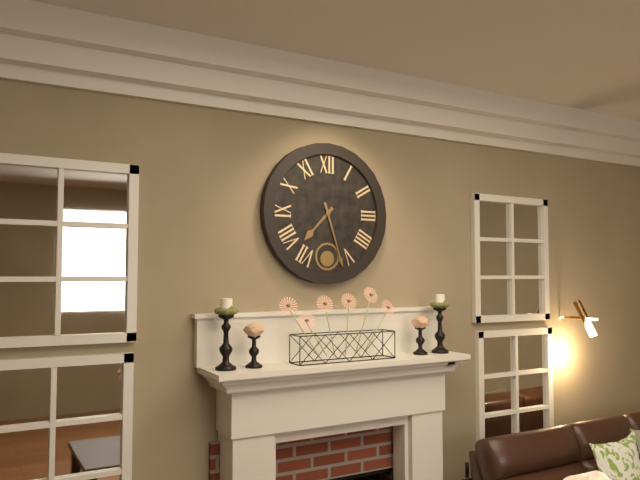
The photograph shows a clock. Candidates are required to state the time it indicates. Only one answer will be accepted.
7:27
